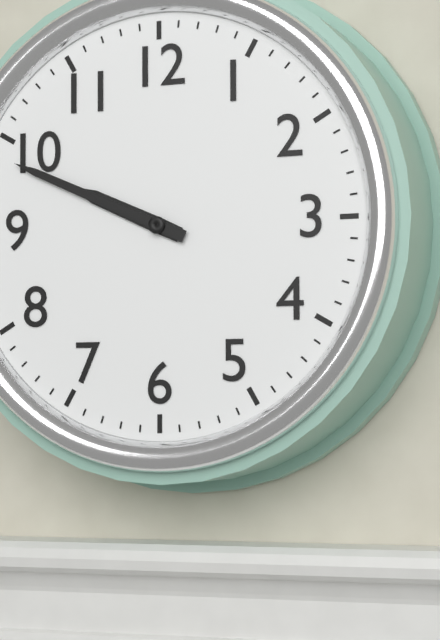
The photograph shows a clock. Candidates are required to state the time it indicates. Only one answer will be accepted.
9:49
